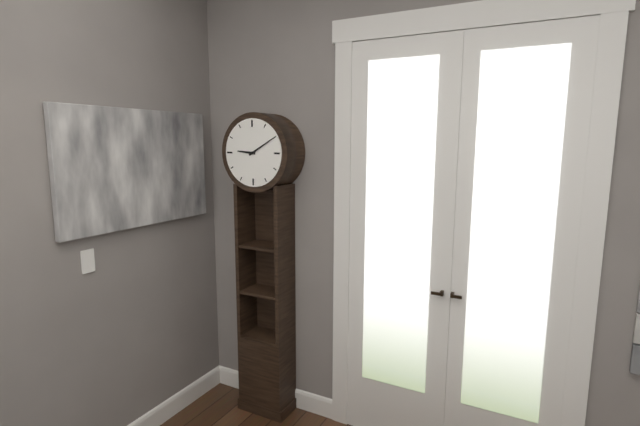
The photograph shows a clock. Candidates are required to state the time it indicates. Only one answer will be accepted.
9:10
